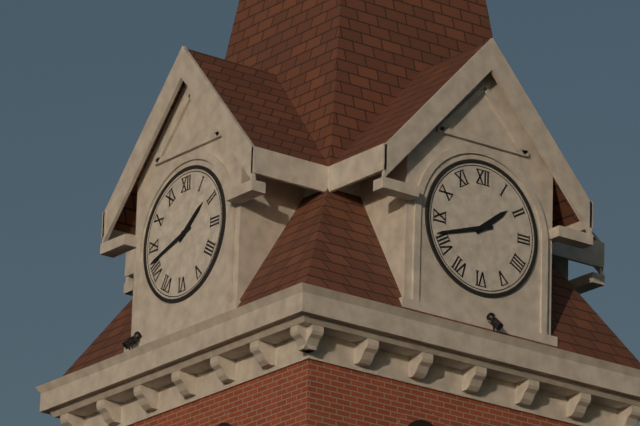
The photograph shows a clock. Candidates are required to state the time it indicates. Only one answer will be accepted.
1:42
